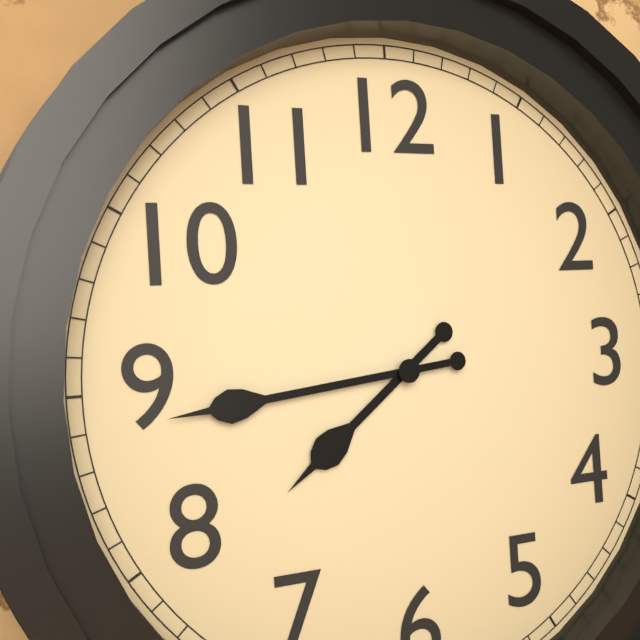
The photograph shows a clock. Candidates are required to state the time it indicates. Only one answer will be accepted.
7:44
